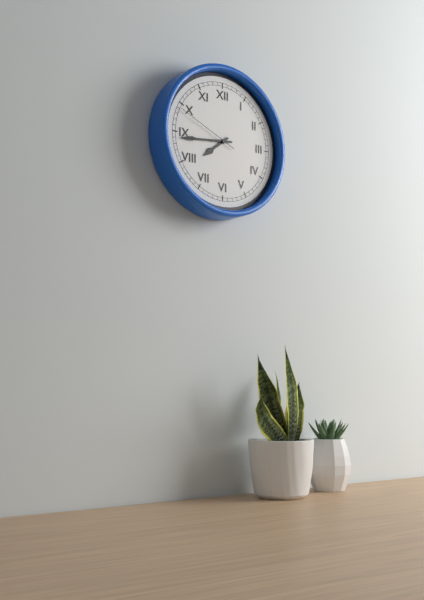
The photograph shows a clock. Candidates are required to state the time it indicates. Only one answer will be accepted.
7:44:49
